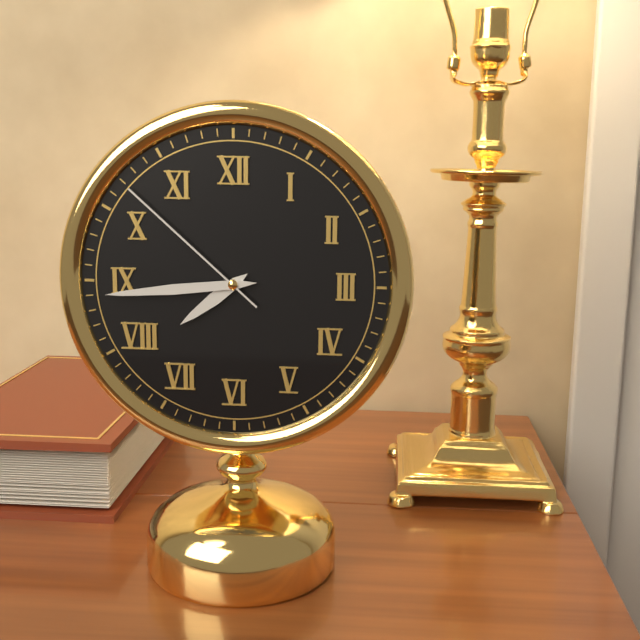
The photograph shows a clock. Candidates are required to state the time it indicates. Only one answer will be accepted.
7:44:52
